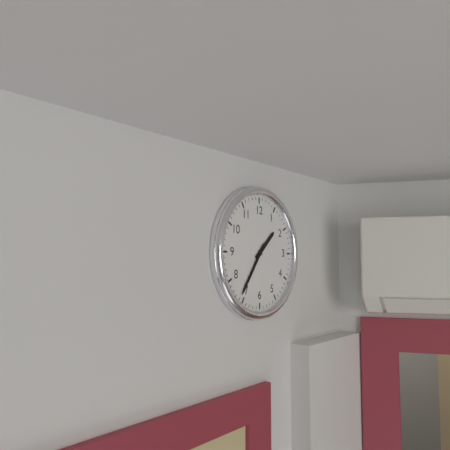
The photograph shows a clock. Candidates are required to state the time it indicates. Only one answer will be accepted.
1:36
